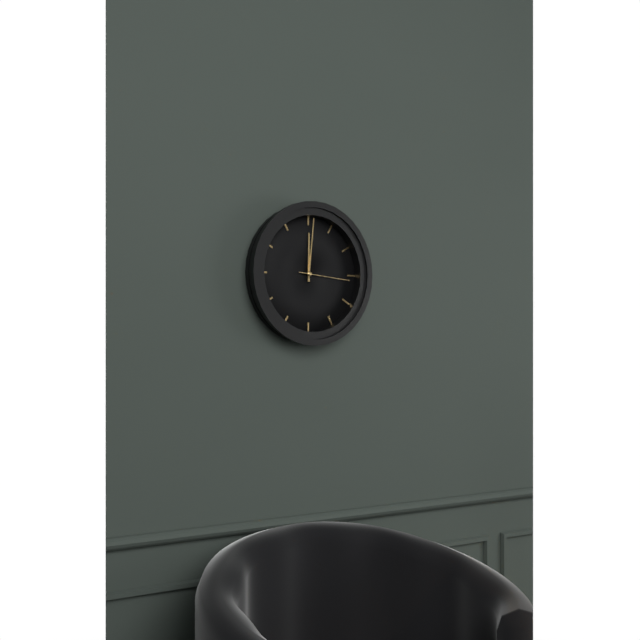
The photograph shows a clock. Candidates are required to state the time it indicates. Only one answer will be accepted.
12:01:16
